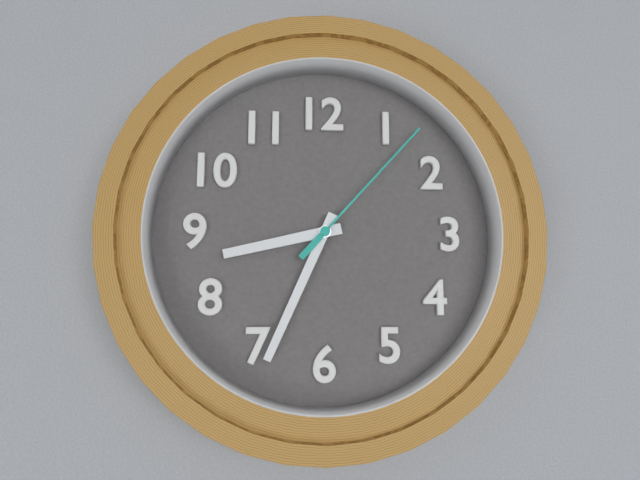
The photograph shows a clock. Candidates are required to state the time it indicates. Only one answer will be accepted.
8:34:07
